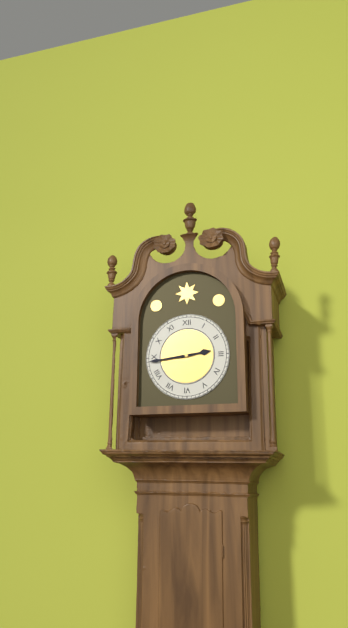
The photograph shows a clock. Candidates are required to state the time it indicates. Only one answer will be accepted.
2:44
